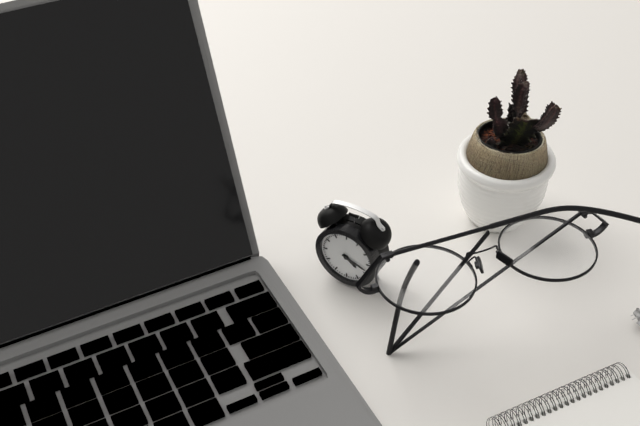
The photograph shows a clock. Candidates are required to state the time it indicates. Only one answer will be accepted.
4:18
